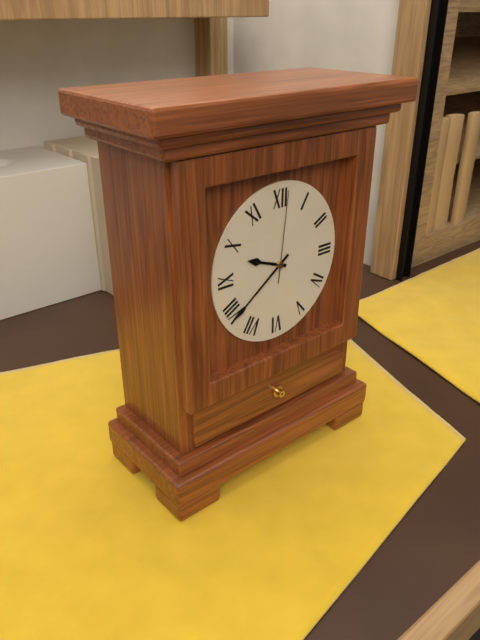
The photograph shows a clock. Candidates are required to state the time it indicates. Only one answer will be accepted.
9:39:01
